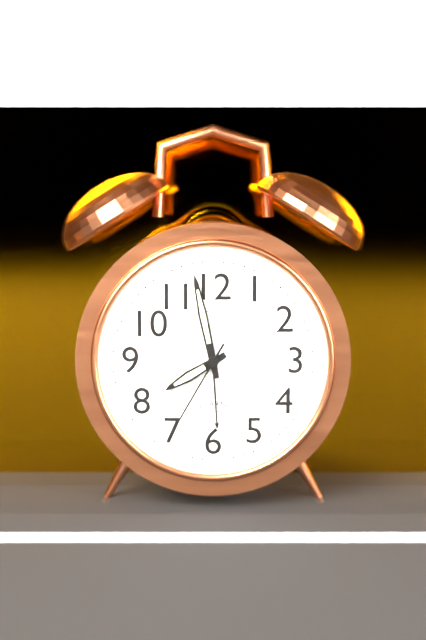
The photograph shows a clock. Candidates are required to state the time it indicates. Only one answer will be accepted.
7:58:35
